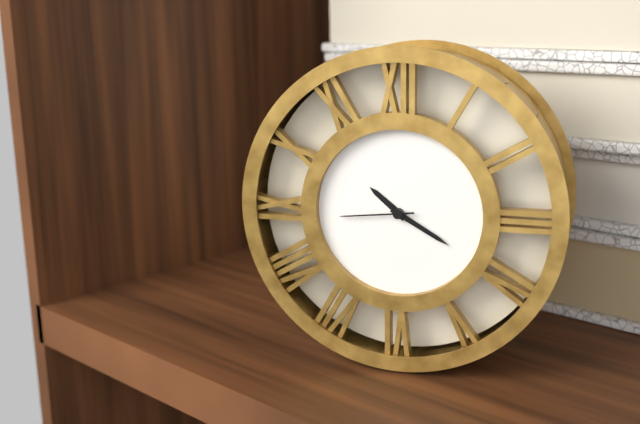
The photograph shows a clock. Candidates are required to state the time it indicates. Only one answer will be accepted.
10:20:44
